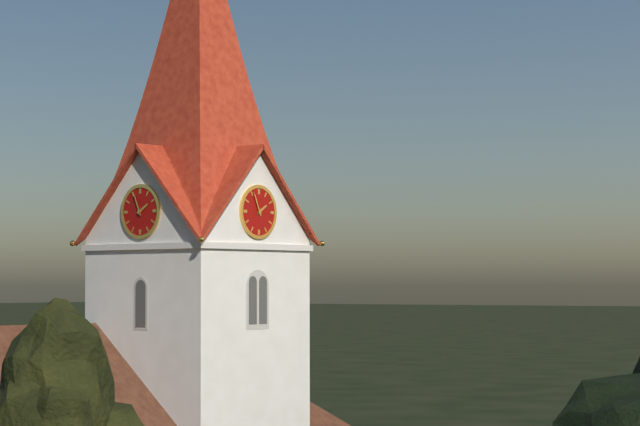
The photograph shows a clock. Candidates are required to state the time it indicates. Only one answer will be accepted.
1:56
